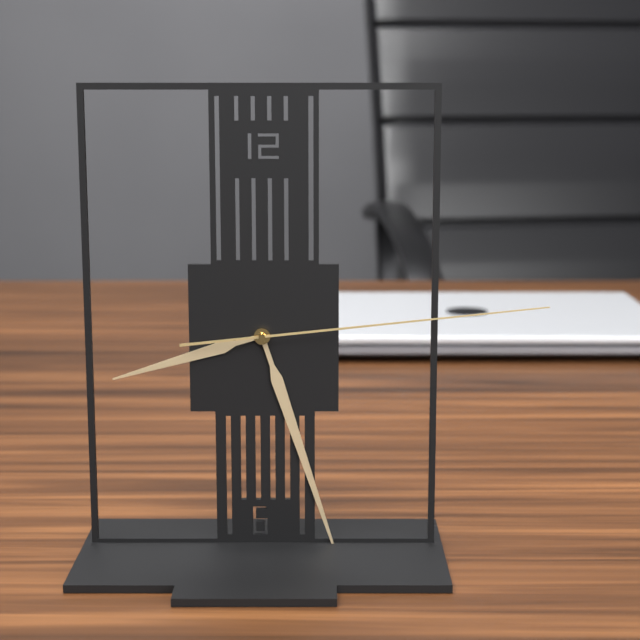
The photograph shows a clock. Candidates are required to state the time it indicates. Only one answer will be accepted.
8:27:14
